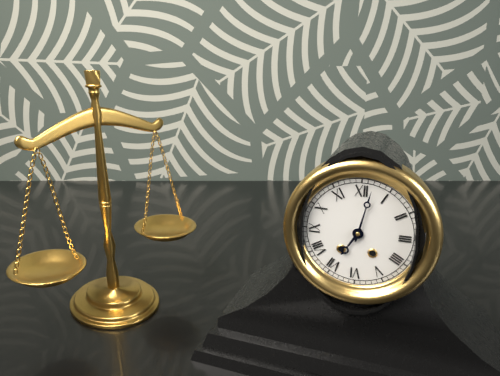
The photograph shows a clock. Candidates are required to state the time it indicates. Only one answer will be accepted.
7:02
